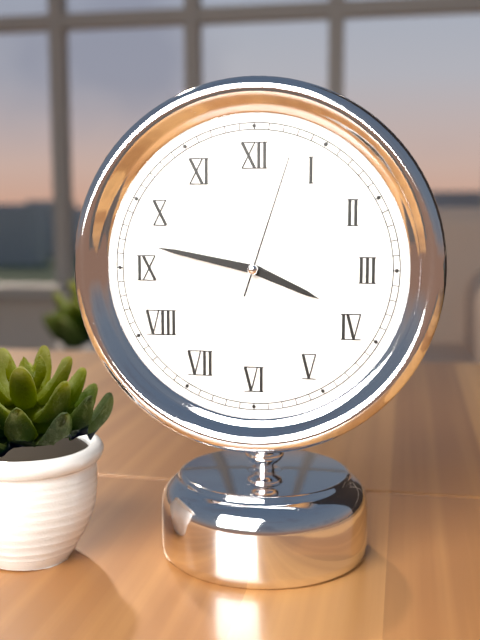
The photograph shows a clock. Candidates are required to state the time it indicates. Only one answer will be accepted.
3:47:03
